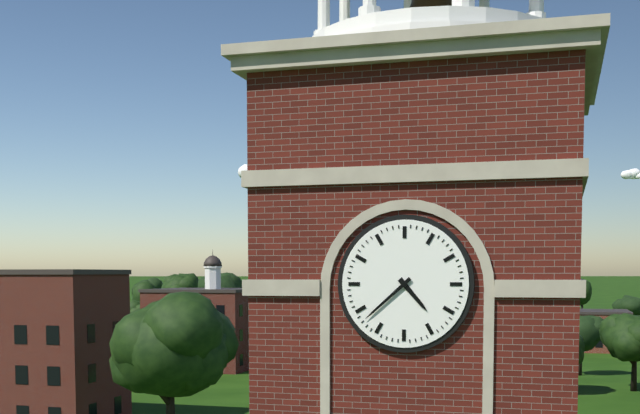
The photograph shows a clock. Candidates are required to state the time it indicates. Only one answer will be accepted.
4:38
